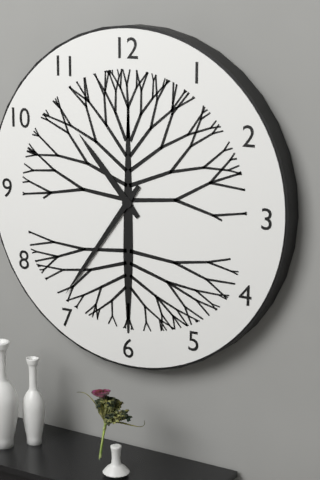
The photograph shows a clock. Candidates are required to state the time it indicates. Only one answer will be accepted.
10:36
